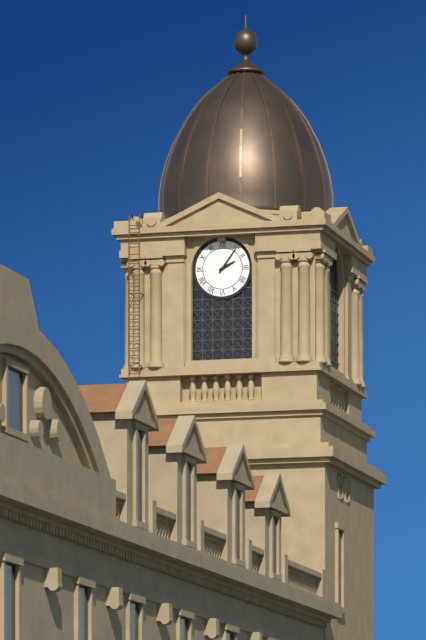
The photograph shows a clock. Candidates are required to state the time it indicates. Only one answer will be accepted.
2:06
